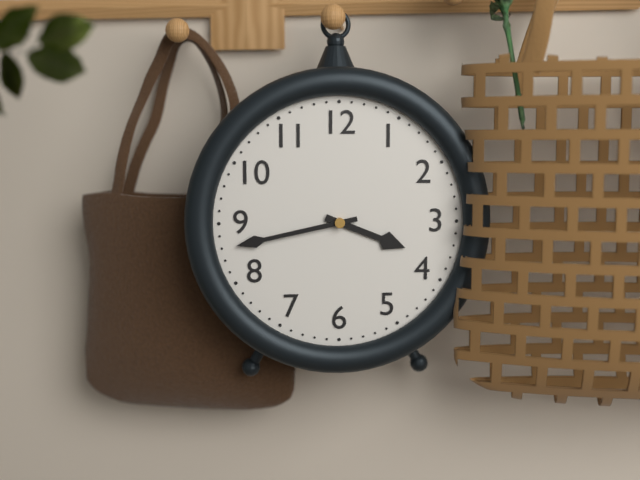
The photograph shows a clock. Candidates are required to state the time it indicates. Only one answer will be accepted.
3:43
